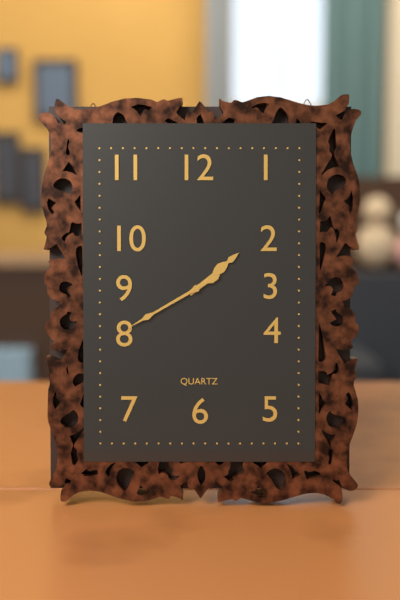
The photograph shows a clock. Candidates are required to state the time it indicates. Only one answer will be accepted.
1:40
